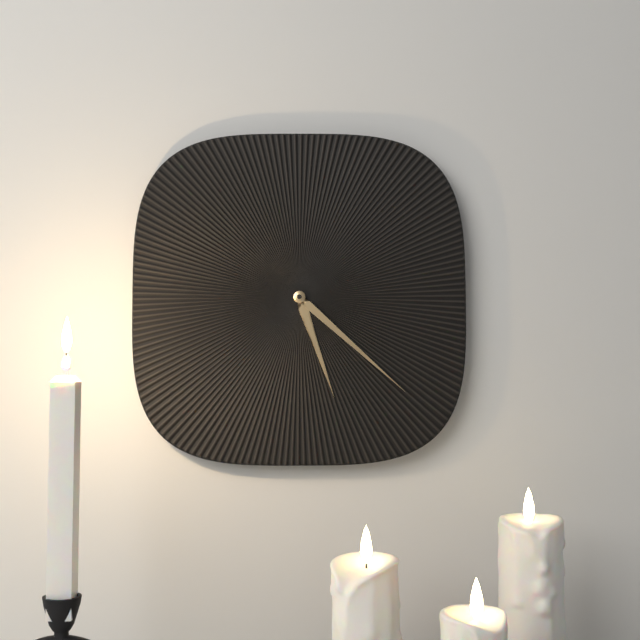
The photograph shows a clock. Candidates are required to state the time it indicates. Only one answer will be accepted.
5:22
